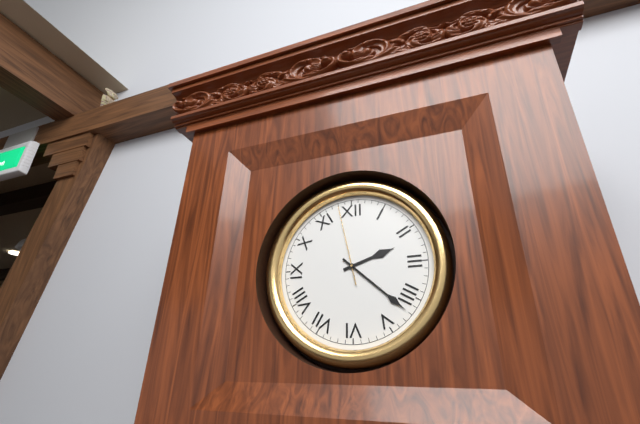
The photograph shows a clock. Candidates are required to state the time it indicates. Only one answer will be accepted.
2:22:58
